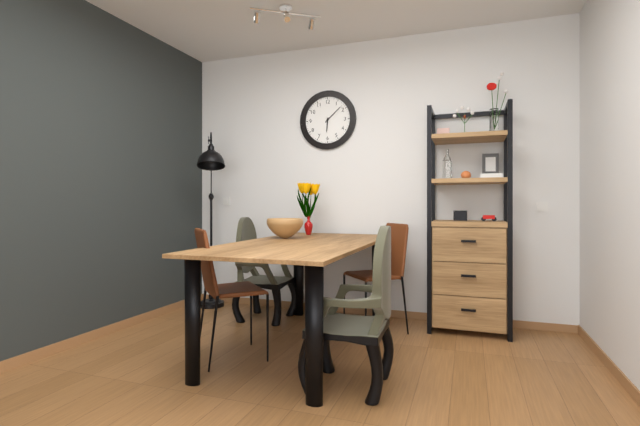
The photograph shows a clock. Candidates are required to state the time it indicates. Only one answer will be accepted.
6:08
